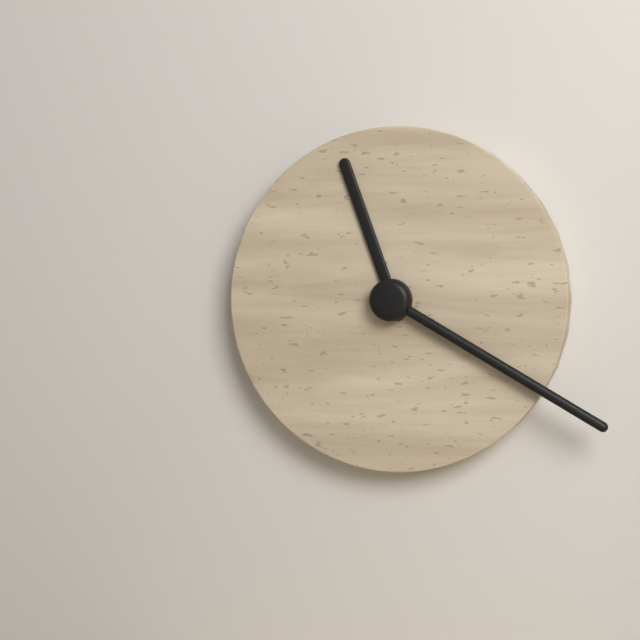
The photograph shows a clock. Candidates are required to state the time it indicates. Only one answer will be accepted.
11:20
